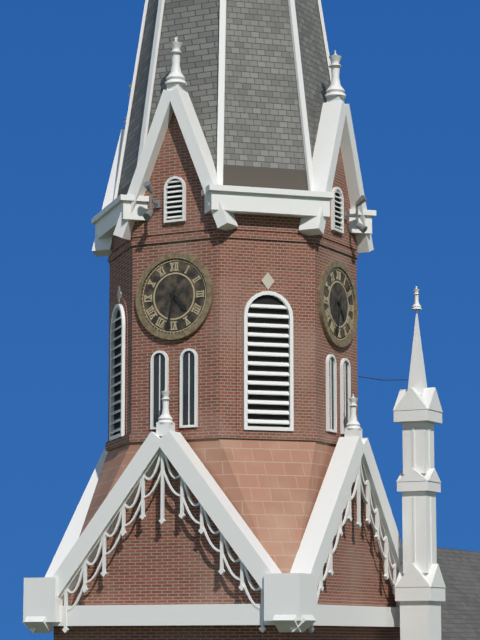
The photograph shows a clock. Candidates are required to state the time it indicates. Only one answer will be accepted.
4:32
